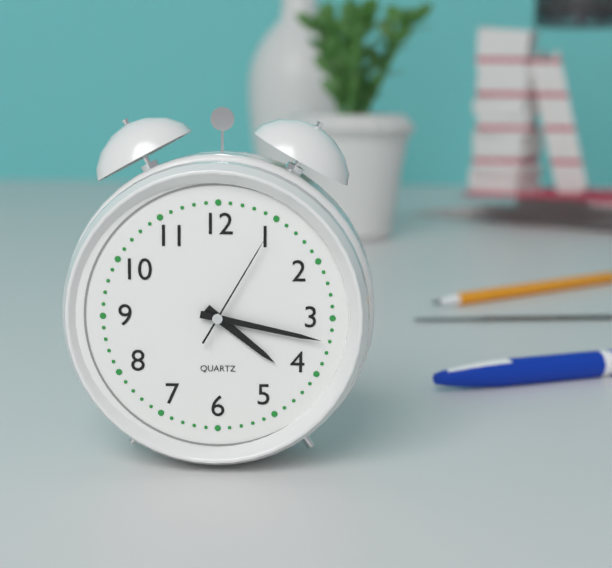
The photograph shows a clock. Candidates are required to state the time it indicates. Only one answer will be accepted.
4:17:05
